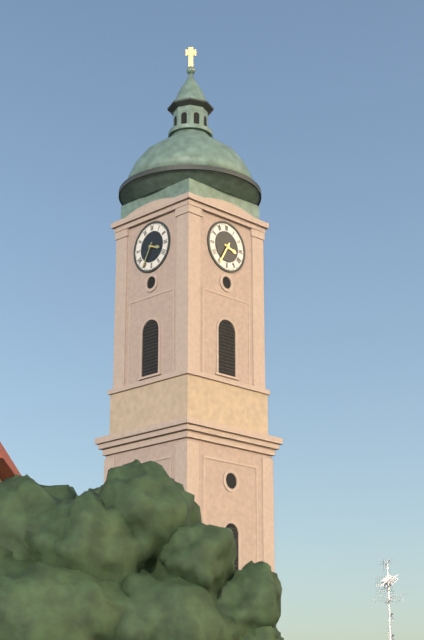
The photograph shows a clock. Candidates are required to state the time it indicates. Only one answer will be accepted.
3:35
